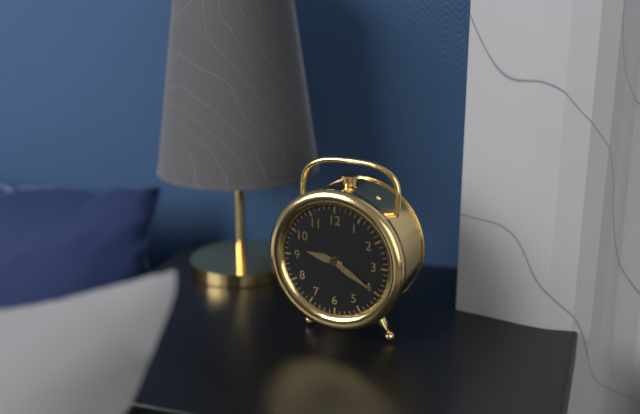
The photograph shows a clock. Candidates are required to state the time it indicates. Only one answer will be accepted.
9:20
